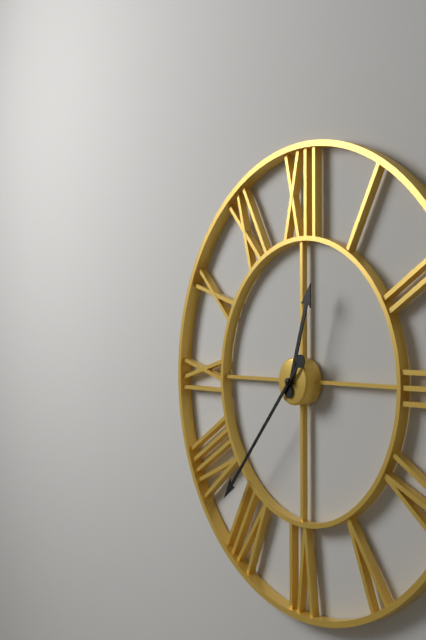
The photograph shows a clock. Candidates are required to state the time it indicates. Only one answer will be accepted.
12:37
